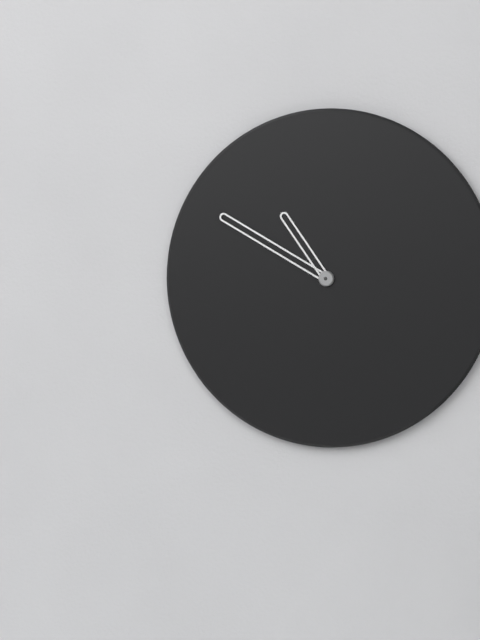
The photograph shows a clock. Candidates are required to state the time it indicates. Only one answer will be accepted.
10:50
